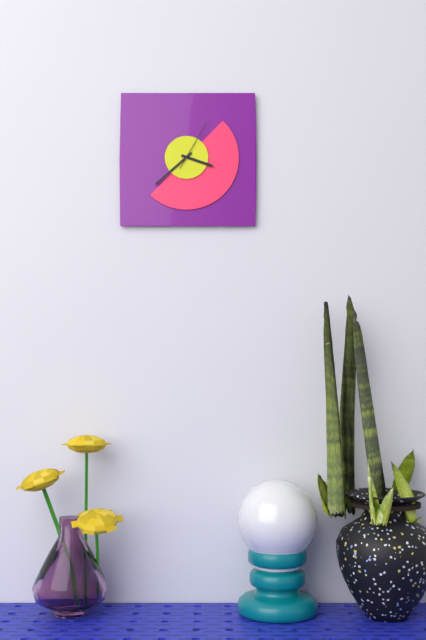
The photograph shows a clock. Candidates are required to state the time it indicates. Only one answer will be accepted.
3:38:05
